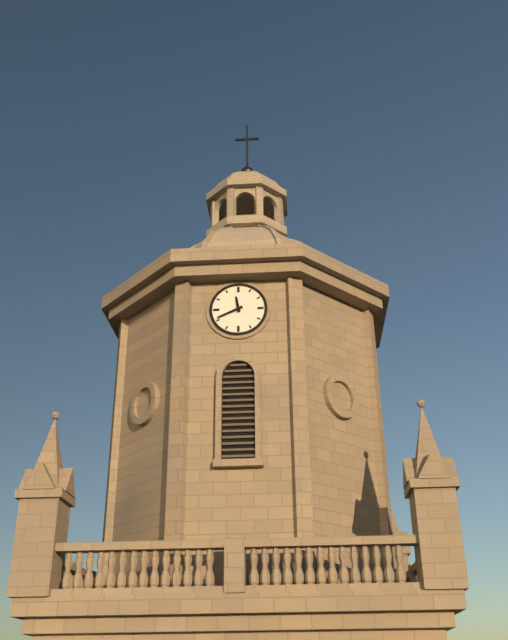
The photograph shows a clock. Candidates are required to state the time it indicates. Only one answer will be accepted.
11:41
